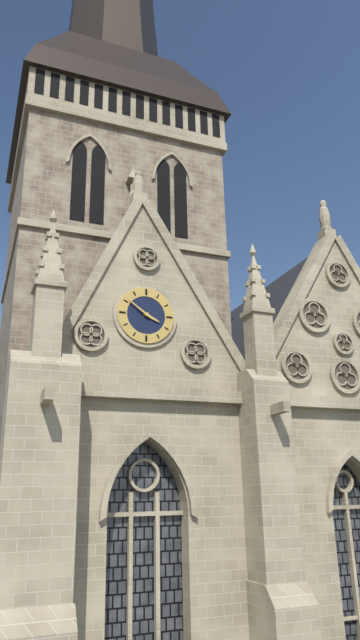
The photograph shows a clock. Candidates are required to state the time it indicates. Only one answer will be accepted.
3:51
